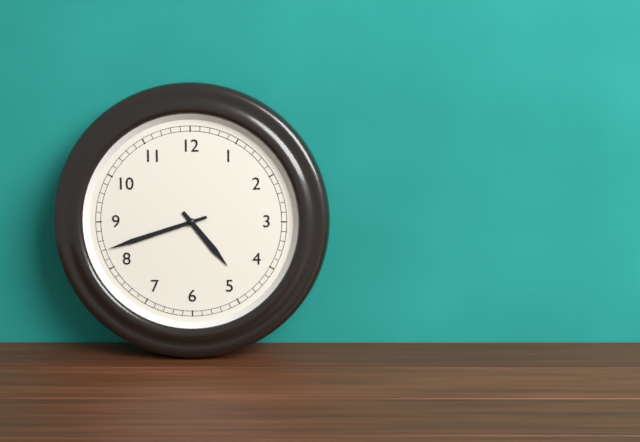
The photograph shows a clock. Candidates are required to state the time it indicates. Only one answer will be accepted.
4:42
